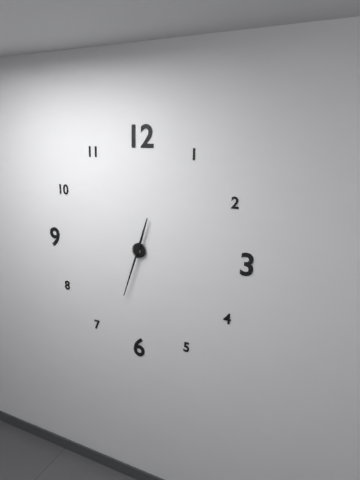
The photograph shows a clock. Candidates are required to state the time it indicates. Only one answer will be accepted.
12:33
